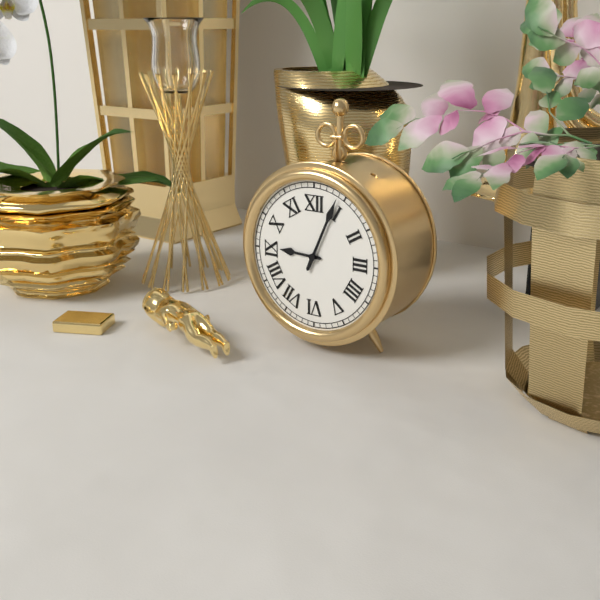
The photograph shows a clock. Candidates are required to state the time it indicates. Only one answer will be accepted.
9:04
